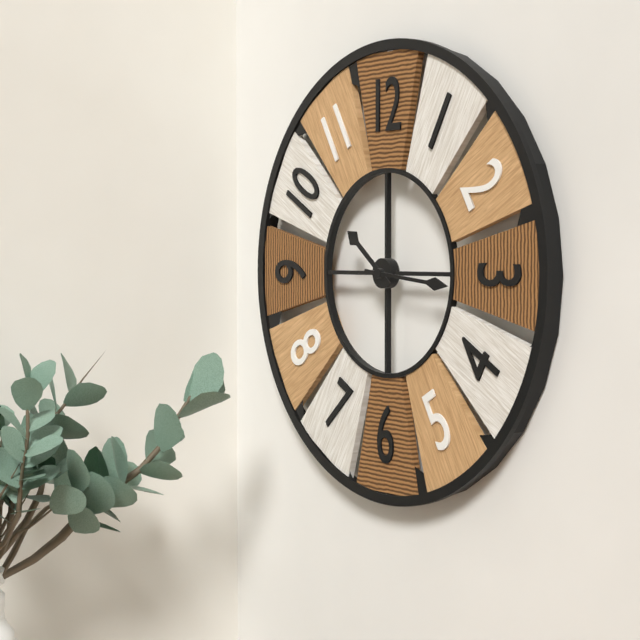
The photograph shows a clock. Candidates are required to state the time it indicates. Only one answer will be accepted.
10:16
